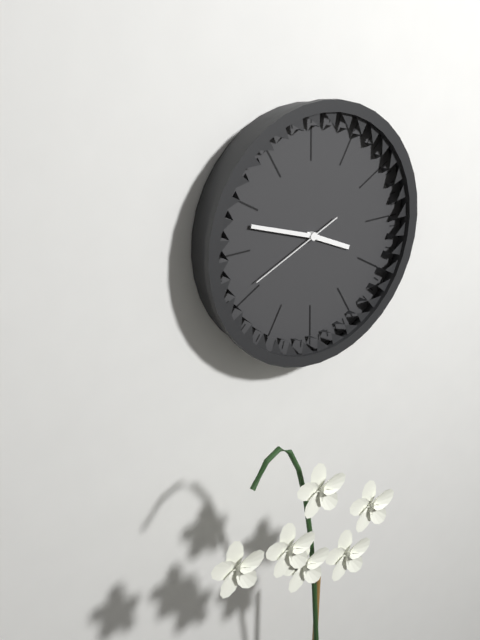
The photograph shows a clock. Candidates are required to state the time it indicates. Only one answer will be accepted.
3:48:41
